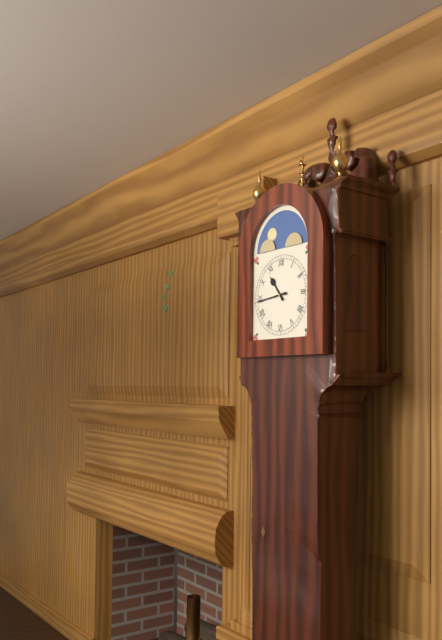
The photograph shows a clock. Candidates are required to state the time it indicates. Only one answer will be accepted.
10:44
